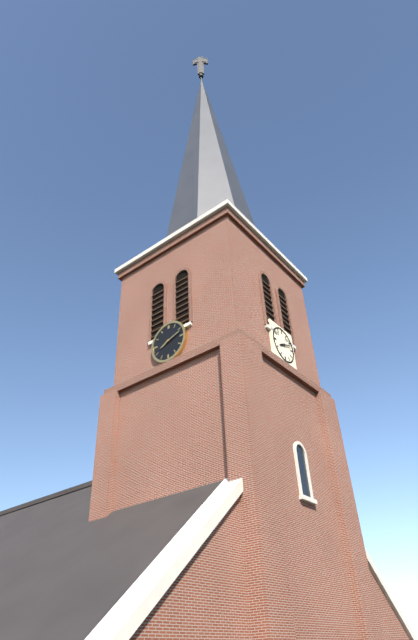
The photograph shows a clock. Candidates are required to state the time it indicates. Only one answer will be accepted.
8:12
